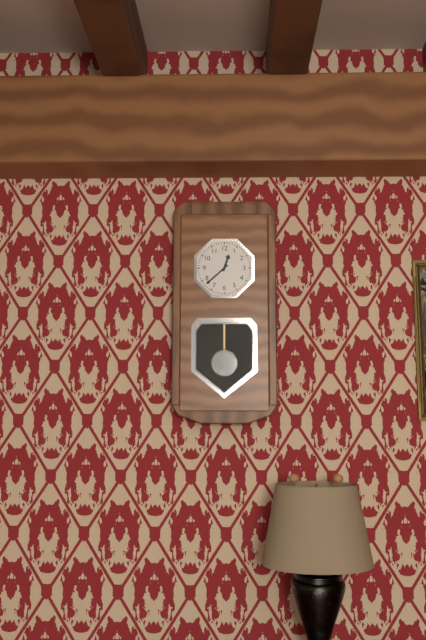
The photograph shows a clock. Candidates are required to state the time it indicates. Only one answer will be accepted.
12:38
